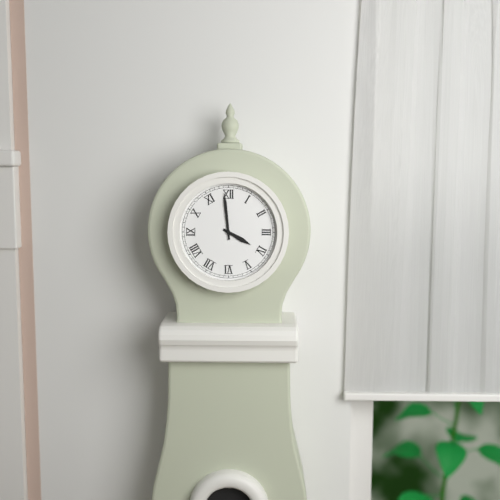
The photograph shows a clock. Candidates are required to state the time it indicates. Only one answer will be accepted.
3:59
